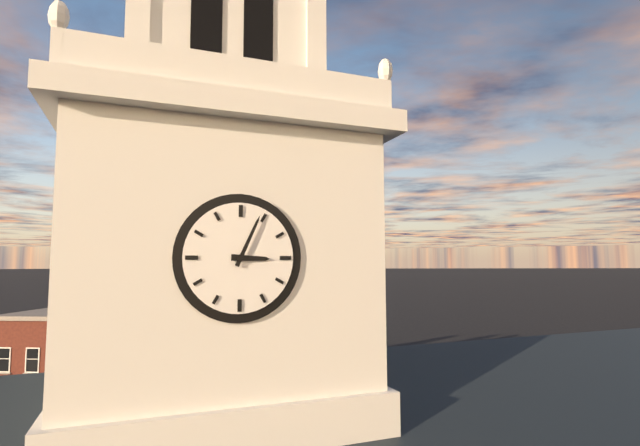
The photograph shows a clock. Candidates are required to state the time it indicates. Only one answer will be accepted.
3:04
